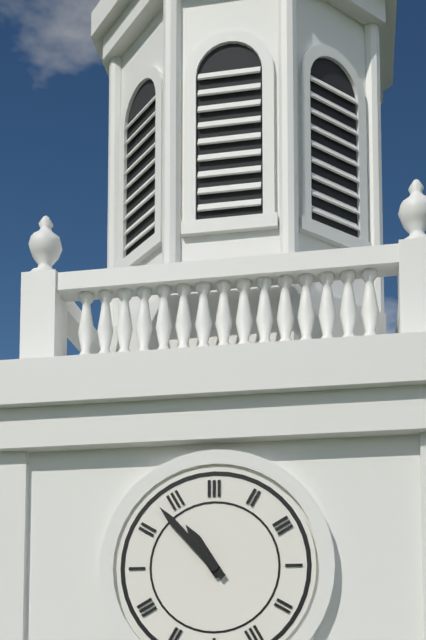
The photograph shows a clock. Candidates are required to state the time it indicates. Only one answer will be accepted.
10:53
